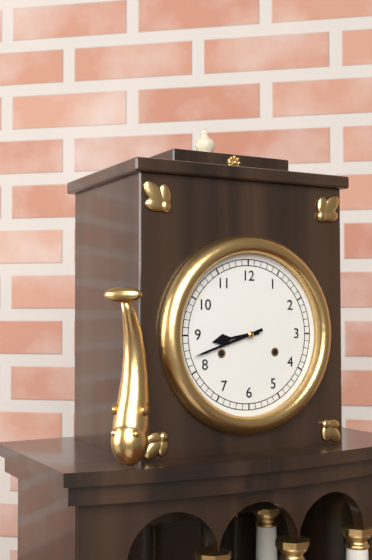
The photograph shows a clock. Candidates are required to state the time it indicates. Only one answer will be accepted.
8:42
